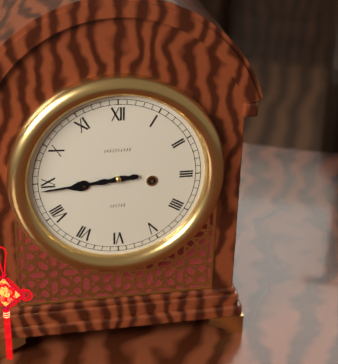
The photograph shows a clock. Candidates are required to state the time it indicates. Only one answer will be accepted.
8:44
